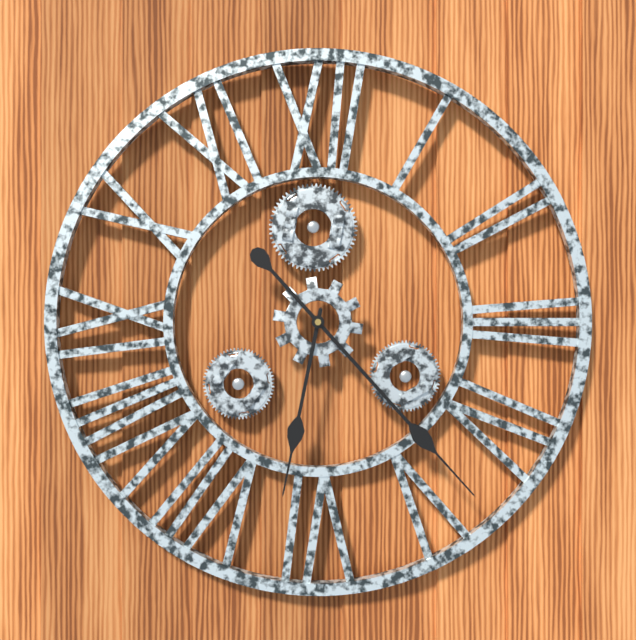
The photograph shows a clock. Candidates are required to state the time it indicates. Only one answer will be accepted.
6:23
